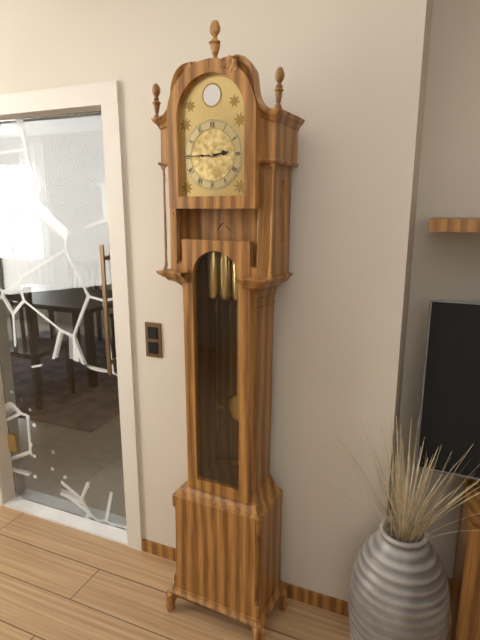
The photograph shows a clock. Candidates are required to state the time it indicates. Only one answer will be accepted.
2:45
